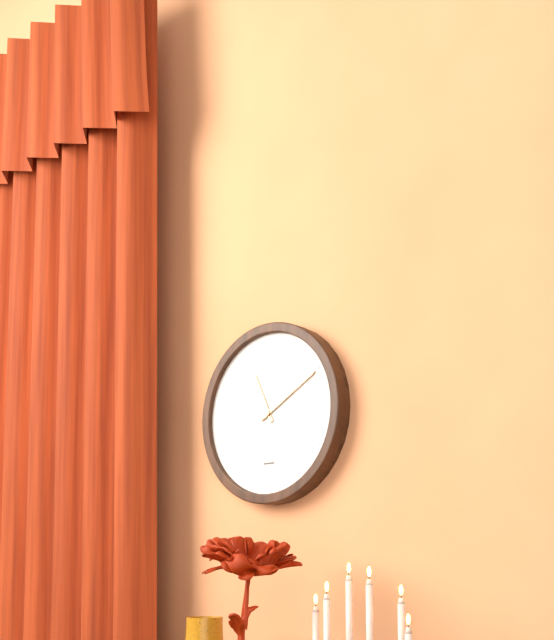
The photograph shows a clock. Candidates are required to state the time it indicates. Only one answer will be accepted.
11:10
